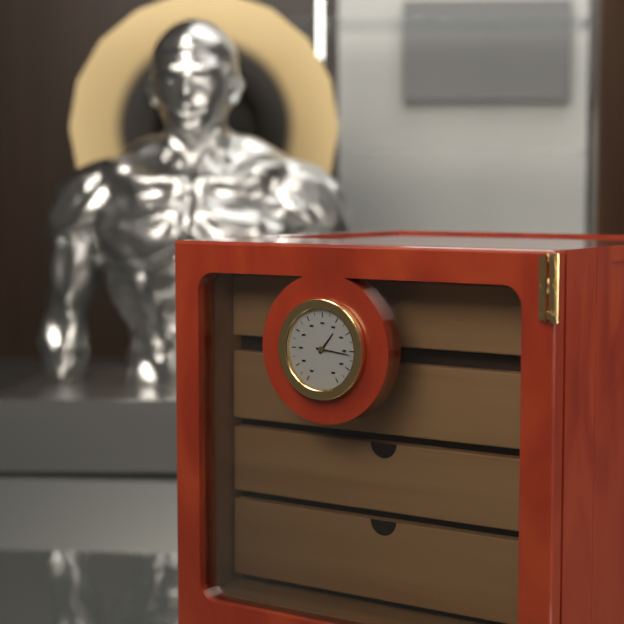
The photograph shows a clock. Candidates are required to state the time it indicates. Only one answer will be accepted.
1:16
